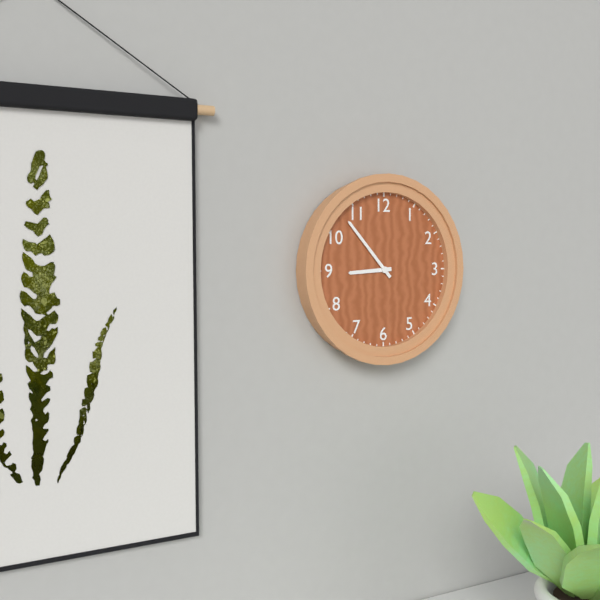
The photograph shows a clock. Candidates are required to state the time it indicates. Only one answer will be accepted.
8:53
